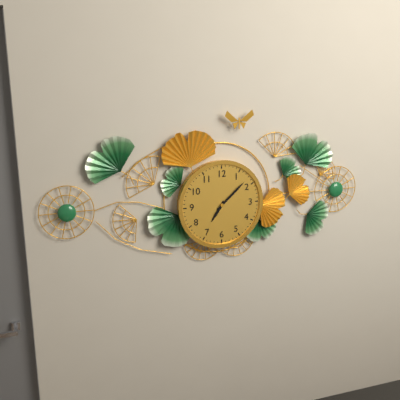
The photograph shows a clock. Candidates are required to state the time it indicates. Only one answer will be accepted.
7:08
